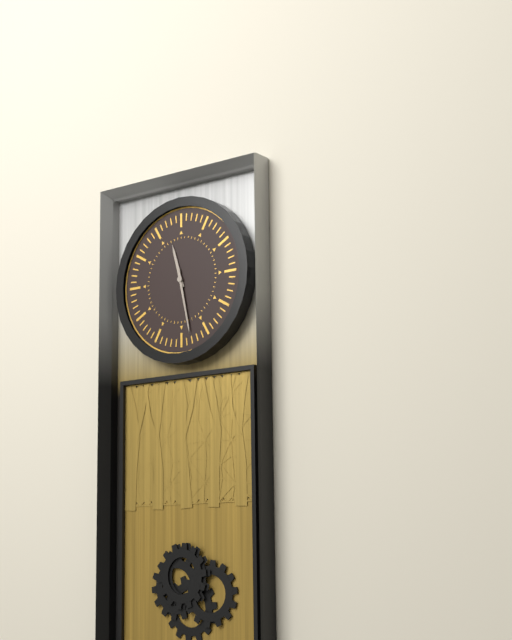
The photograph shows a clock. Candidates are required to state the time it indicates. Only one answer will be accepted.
11:28
